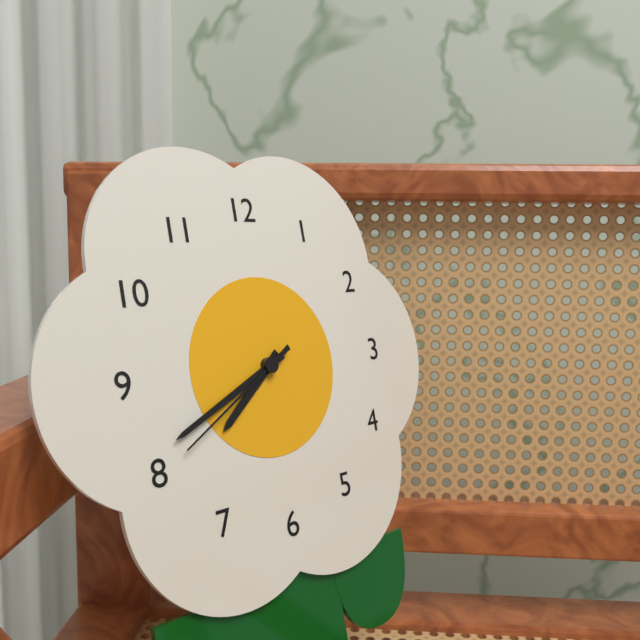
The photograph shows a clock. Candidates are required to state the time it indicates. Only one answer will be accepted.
7:41:40
